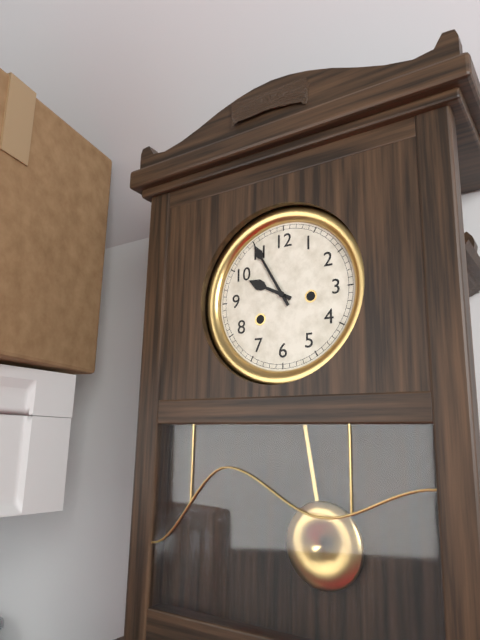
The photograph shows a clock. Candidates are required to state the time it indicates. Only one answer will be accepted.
9:55
